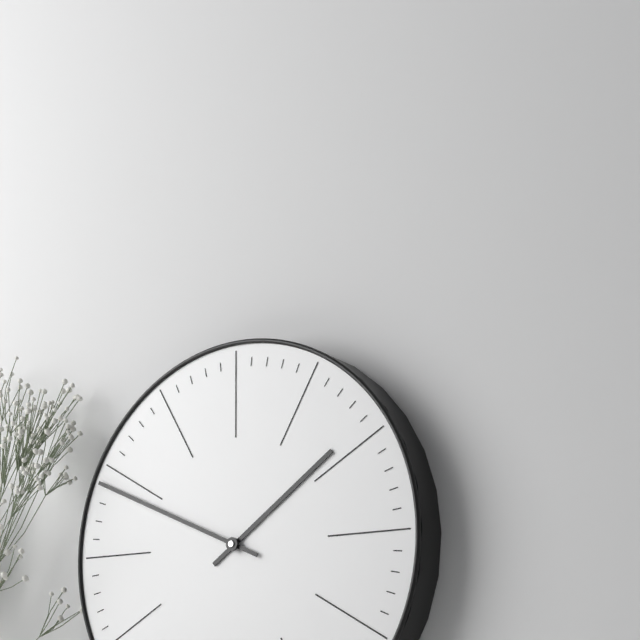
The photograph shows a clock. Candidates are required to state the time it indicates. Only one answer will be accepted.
1:49
